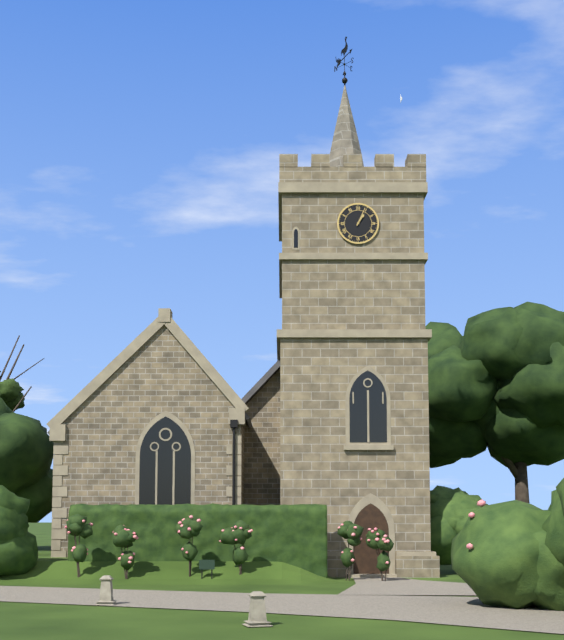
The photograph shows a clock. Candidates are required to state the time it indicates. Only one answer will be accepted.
1:04
